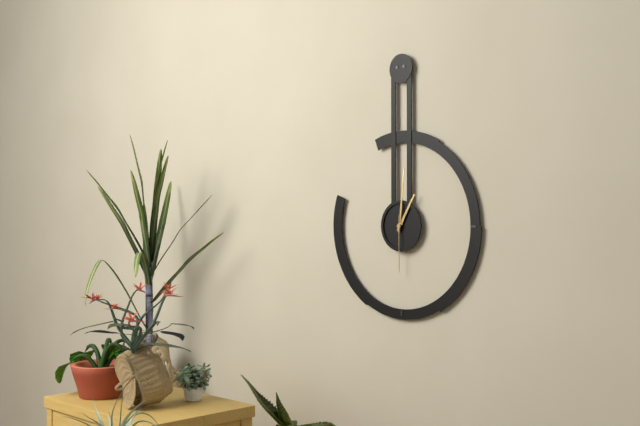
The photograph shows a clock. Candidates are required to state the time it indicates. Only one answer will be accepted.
1:01:30
